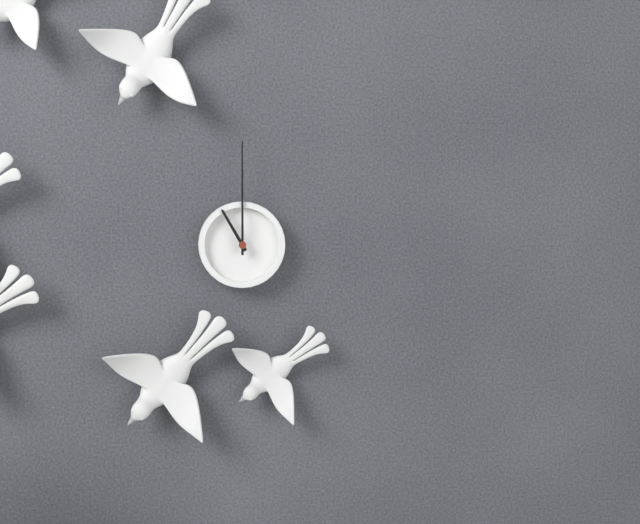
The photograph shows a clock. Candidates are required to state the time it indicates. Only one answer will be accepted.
11:00
